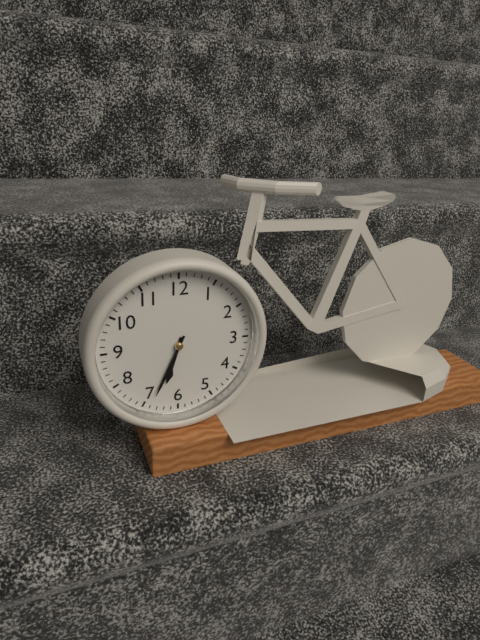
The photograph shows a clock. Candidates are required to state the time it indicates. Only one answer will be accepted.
6:34
